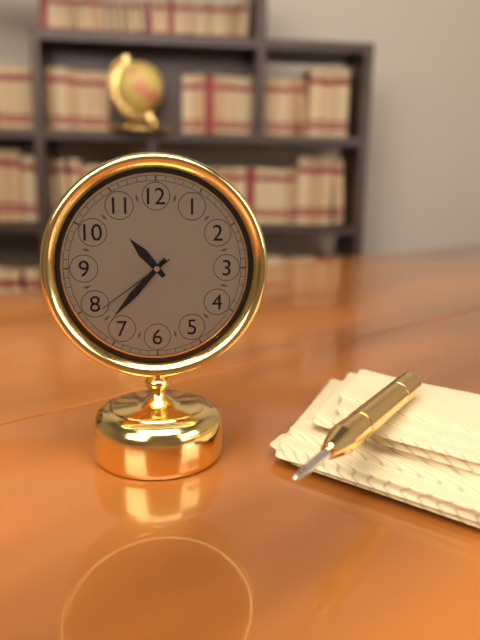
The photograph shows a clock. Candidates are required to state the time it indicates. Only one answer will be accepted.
10:37:39
